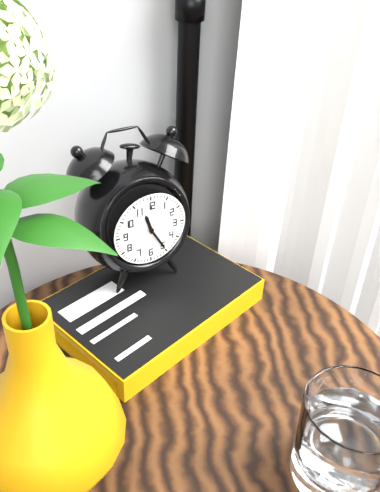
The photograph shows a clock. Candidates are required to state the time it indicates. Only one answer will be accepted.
11:25
